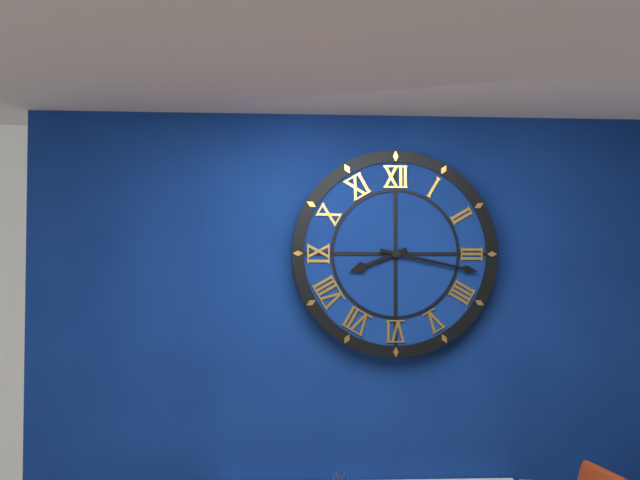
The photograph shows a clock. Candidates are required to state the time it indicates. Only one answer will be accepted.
8:17
